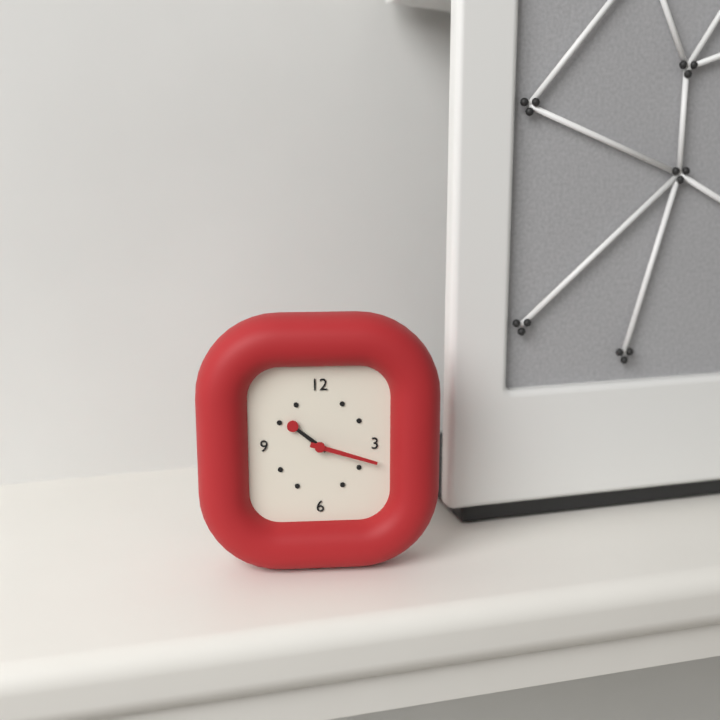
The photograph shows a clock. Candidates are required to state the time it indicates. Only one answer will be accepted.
10:18
